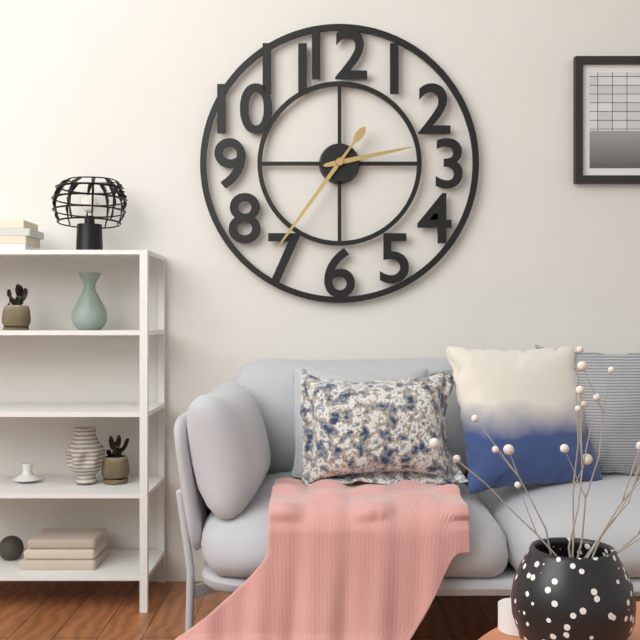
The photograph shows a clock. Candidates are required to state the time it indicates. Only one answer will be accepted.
2:36
